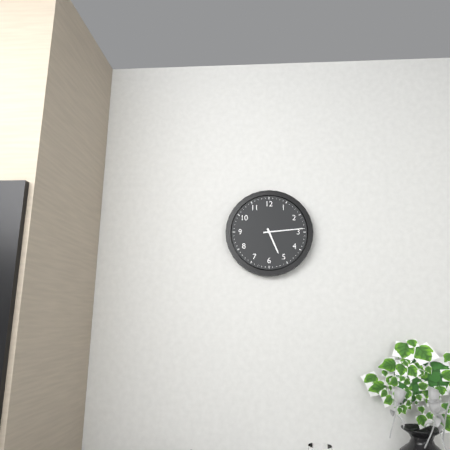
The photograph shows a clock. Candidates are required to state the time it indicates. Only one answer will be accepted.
5:14
